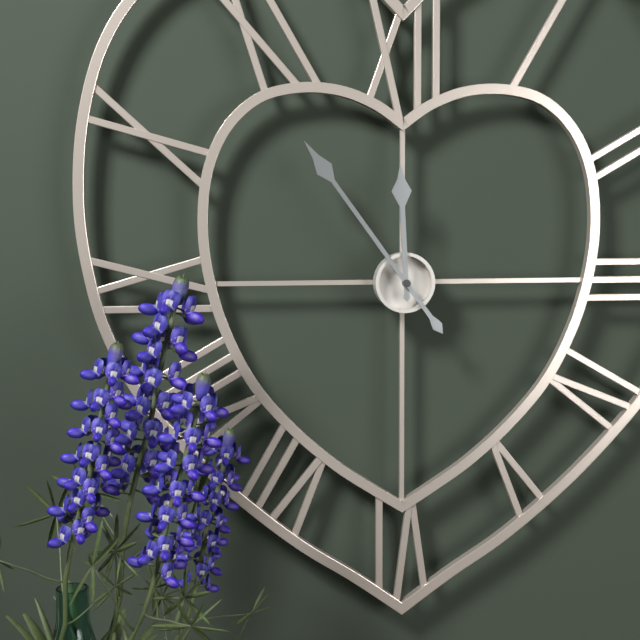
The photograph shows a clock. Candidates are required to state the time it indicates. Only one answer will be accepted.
11:54
